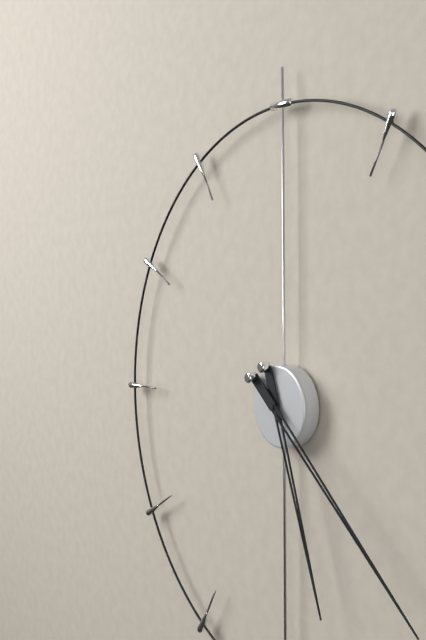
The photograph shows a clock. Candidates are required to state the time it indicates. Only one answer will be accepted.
5:22
